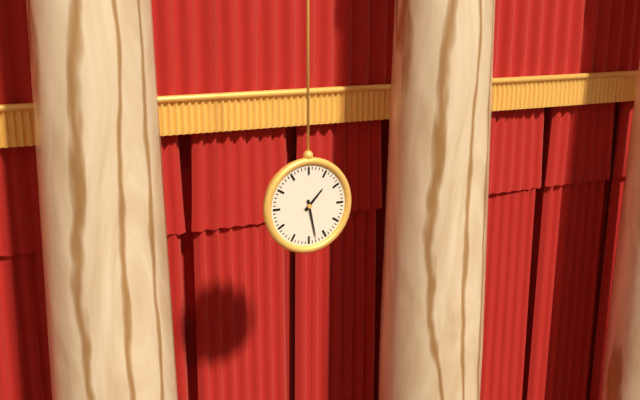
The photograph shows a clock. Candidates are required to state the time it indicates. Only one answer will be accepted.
1:28
